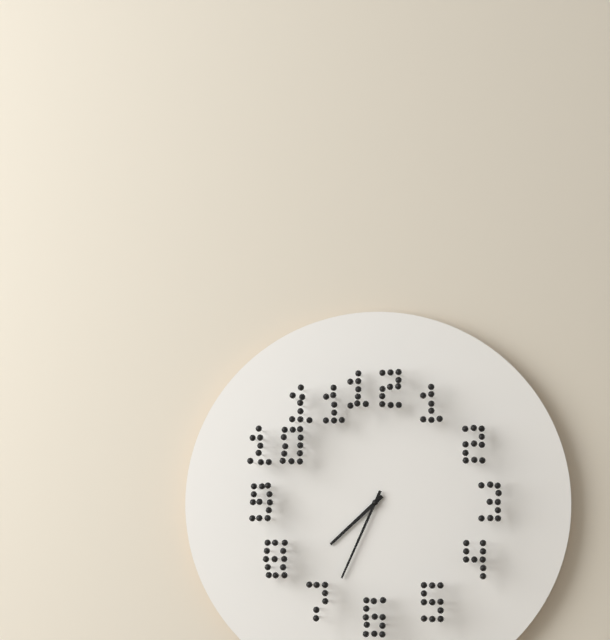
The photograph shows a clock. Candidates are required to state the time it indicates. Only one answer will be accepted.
7:34
